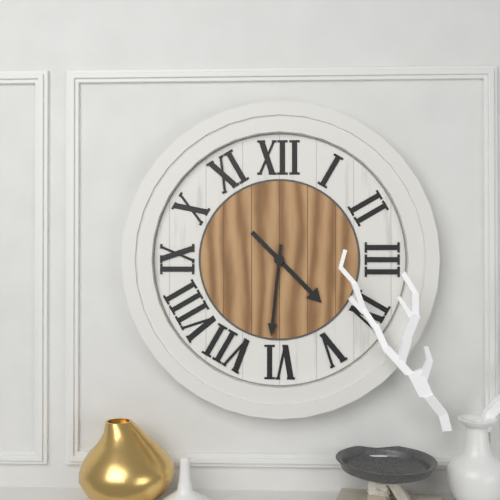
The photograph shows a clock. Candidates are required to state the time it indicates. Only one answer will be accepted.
4:31
